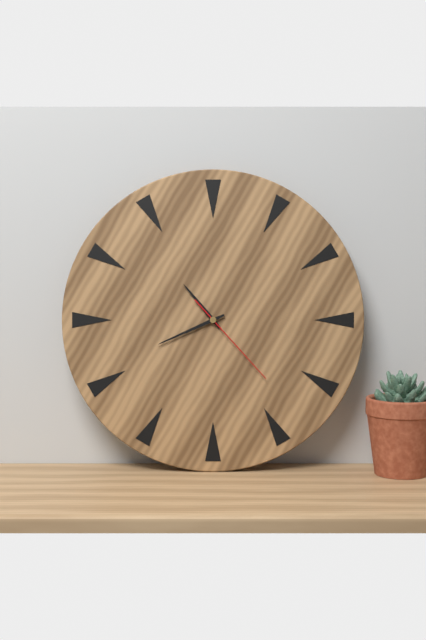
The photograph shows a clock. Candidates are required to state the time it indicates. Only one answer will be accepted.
10:41:23
